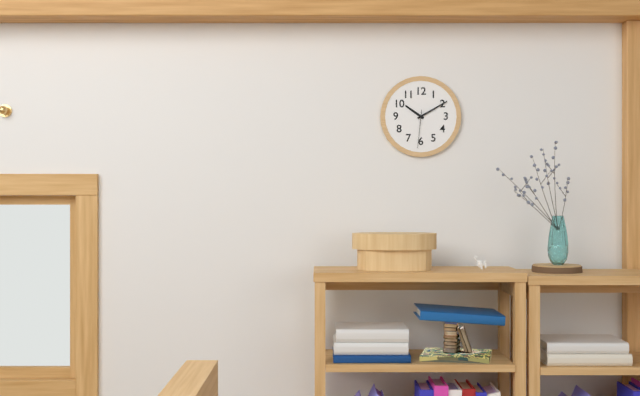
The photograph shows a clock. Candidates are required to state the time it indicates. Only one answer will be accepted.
10:10
